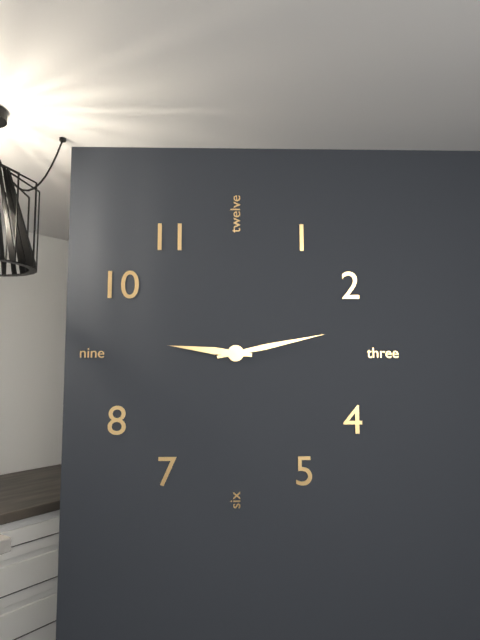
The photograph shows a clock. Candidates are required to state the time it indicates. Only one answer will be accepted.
9:13
